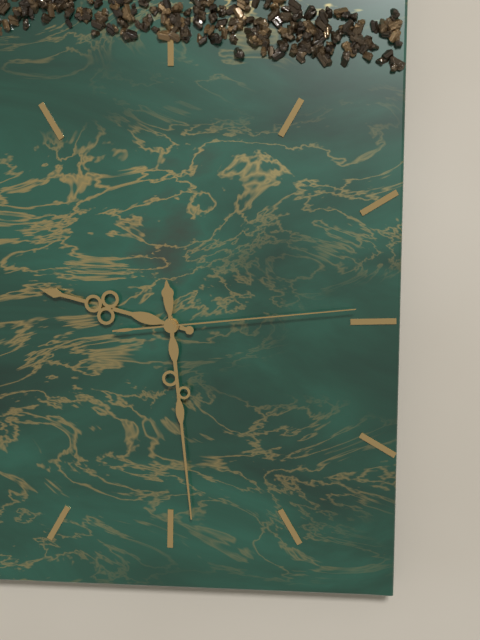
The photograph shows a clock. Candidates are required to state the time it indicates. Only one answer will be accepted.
9:29:14
